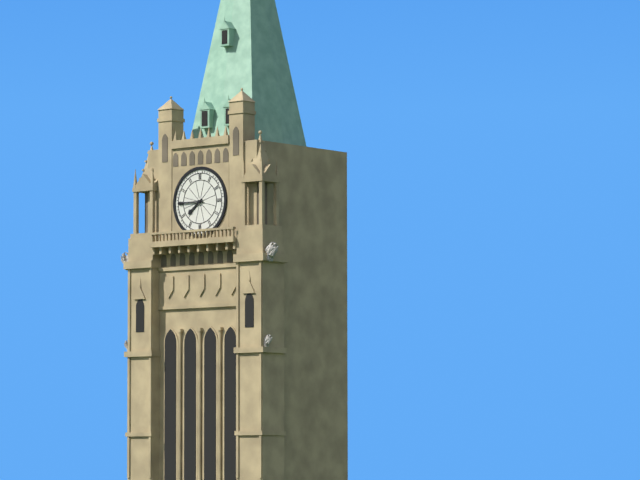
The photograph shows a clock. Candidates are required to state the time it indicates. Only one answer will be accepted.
7:45
